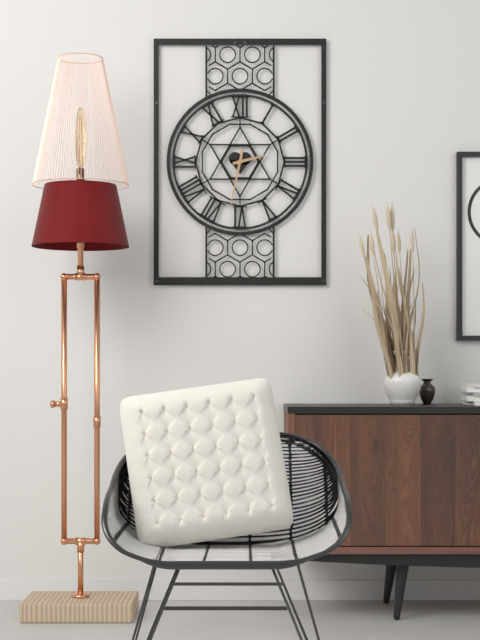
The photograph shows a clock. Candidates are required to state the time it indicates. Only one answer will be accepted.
2:32
